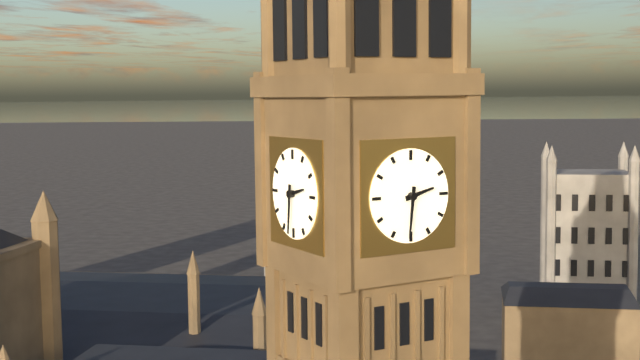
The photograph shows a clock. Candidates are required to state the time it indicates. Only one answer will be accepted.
2:31
